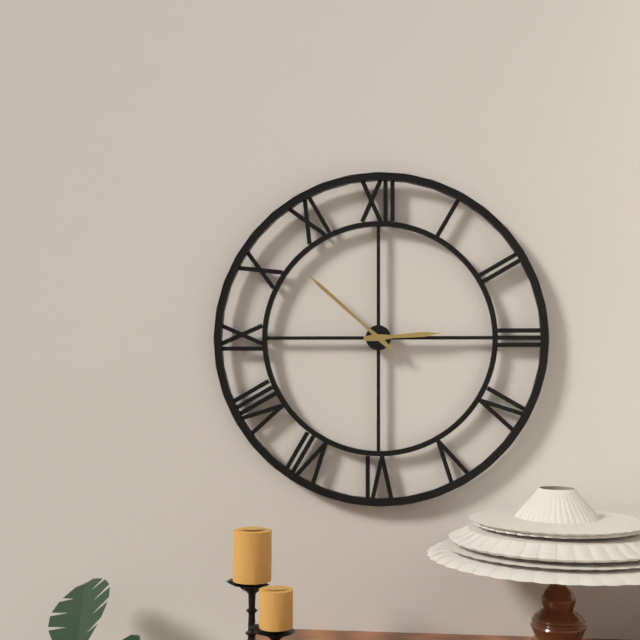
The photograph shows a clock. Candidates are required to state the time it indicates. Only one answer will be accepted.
2:52
